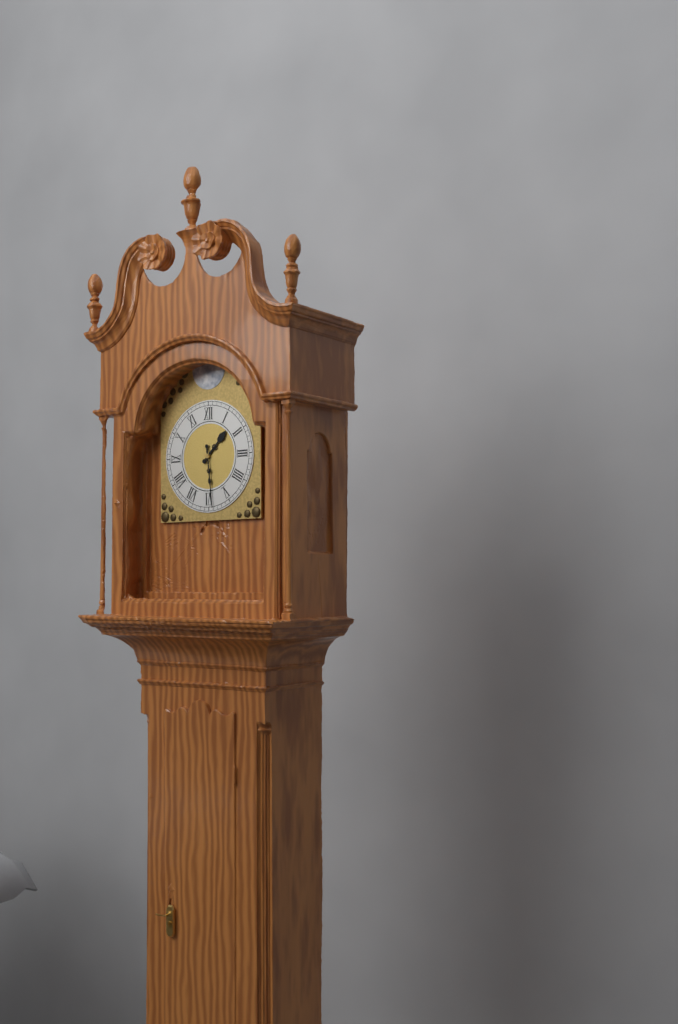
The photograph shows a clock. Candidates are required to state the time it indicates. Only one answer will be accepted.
1:29
